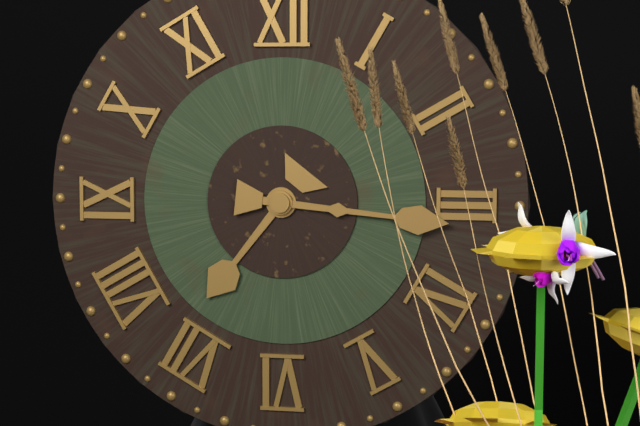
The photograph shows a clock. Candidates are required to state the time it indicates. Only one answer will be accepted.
7:16
